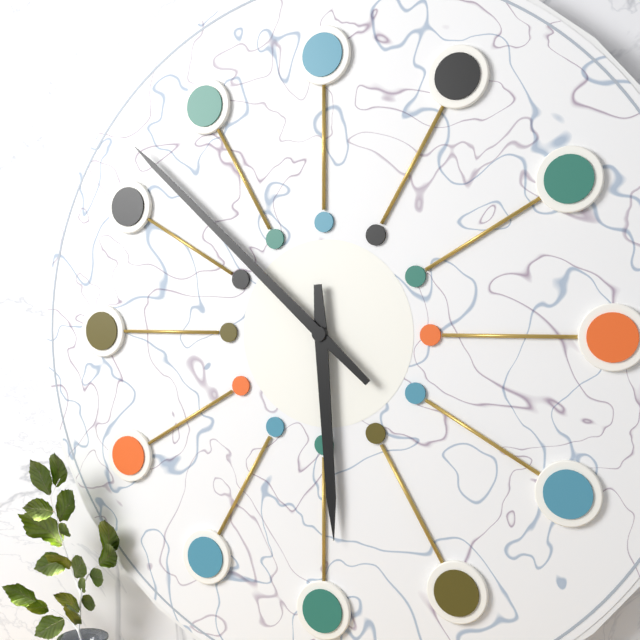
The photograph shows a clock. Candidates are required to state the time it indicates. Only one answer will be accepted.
5:52
